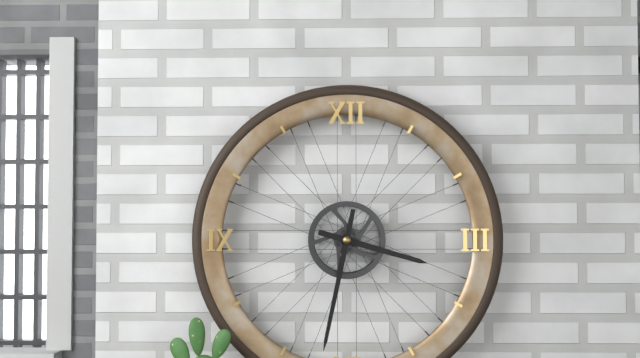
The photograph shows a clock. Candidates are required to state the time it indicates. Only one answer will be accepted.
3:32
